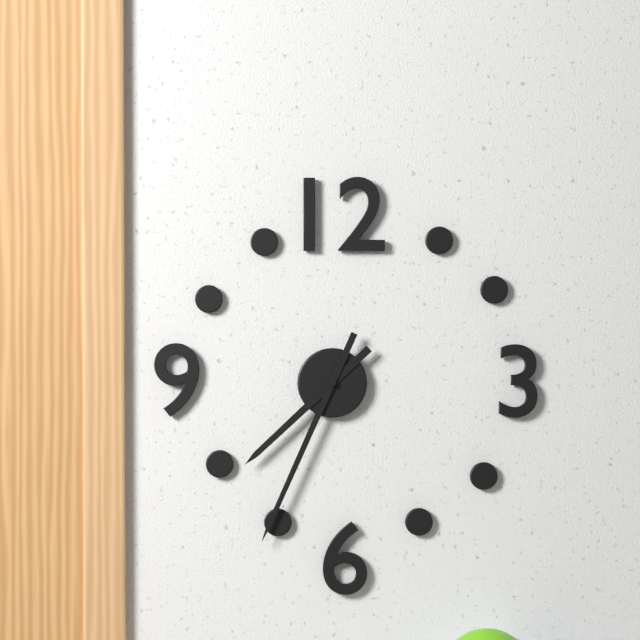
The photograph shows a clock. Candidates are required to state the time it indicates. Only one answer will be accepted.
7:34
